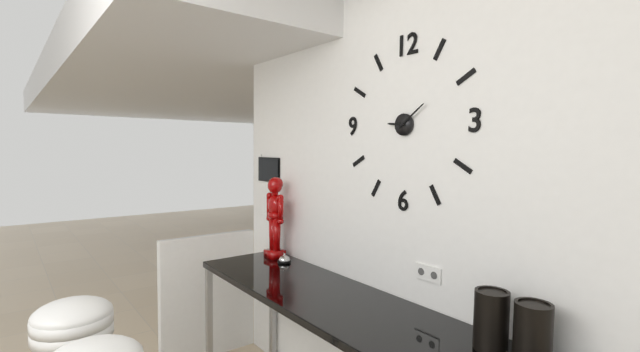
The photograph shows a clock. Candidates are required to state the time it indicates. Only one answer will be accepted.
9:09
